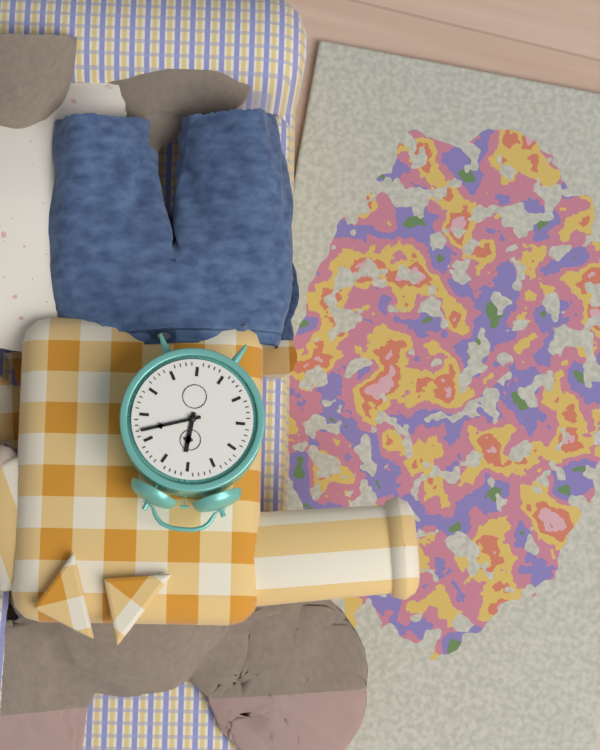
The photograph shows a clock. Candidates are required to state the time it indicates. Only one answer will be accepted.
12:12
